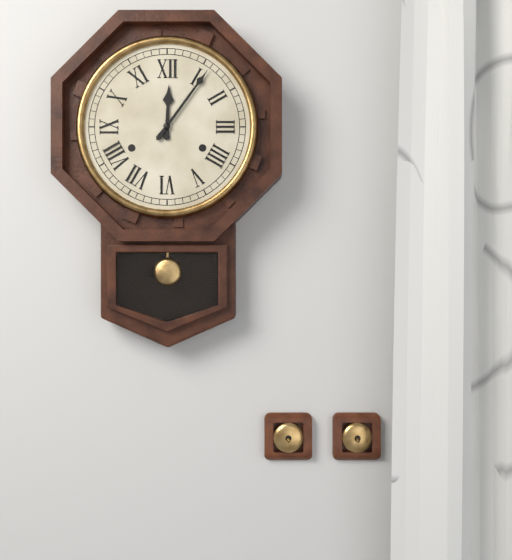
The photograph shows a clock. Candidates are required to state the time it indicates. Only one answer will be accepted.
12:06
